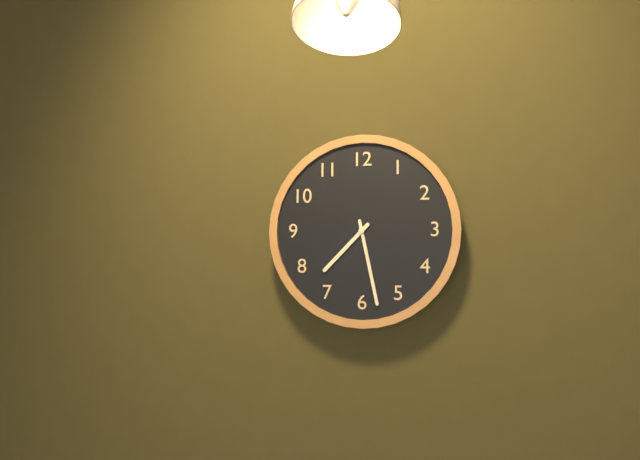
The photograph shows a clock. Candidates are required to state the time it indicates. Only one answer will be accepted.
7:28
